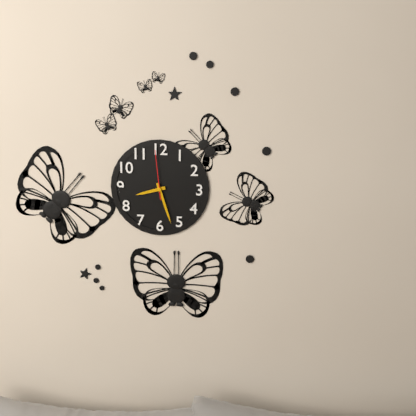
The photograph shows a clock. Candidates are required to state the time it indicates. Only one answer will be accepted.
8:27
